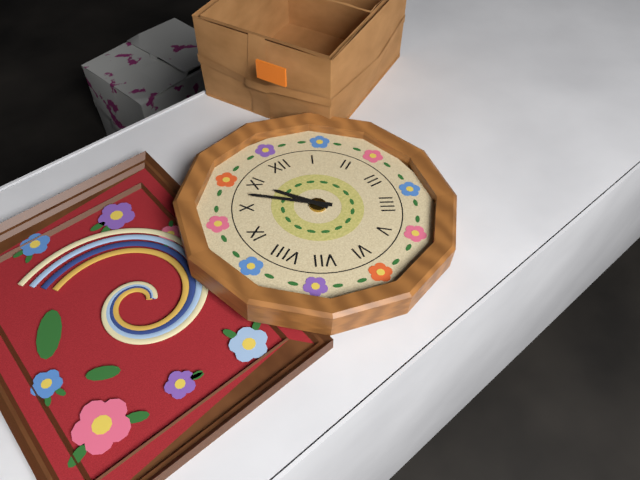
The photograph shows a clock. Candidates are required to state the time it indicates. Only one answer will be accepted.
10:52
